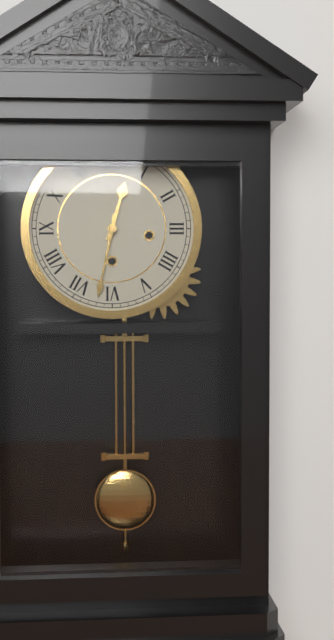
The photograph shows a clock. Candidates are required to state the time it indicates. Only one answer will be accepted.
12:32
